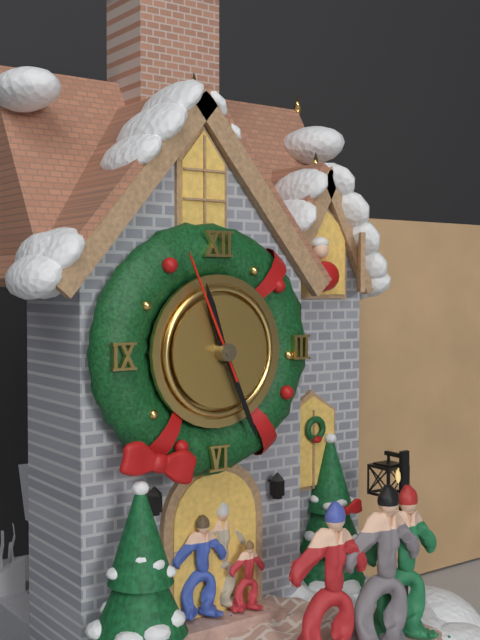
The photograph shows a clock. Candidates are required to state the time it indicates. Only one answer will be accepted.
11:26:56
